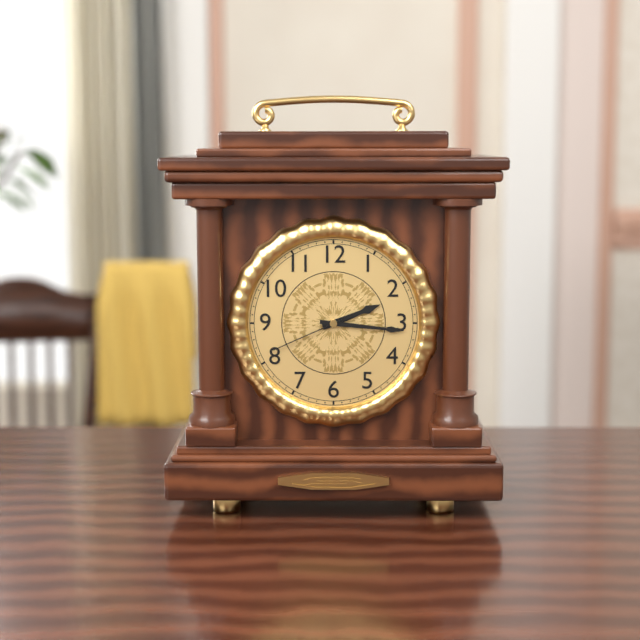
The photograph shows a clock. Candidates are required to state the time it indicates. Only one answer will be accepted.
2:16:41
